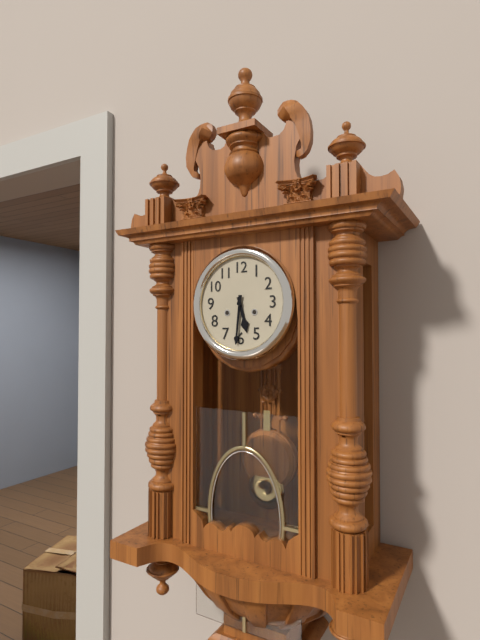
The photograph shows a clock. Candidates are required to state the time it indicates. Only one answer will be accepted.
5:31
